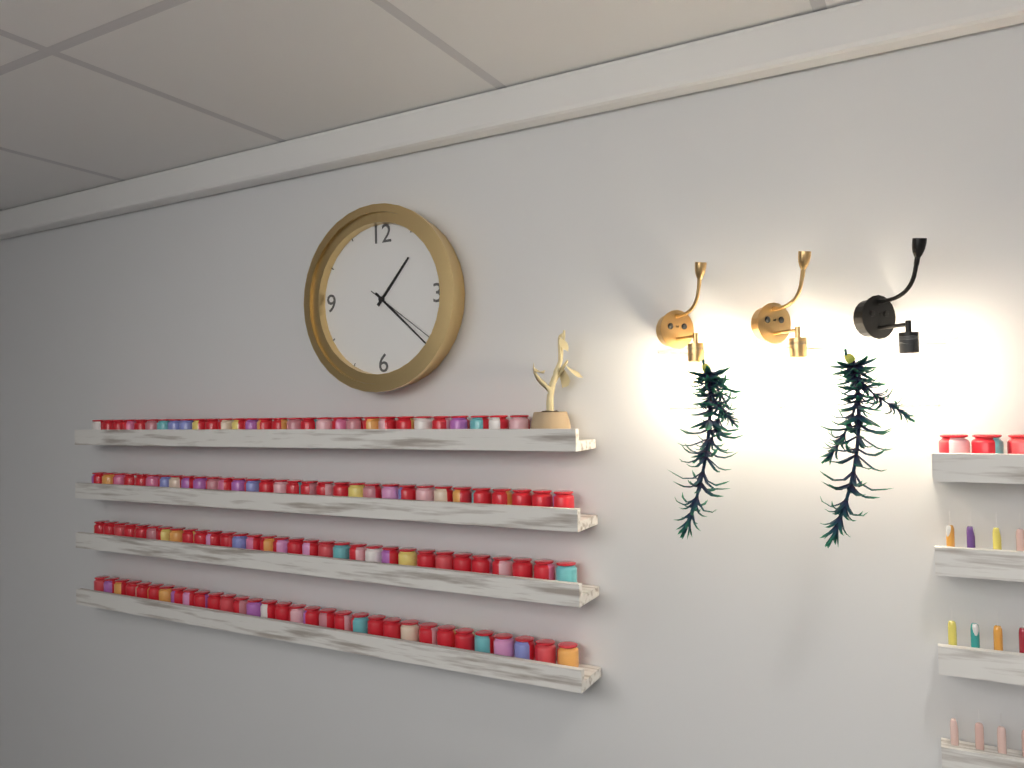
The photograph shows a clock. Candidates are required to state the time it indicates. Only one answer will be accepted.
1:22:21
